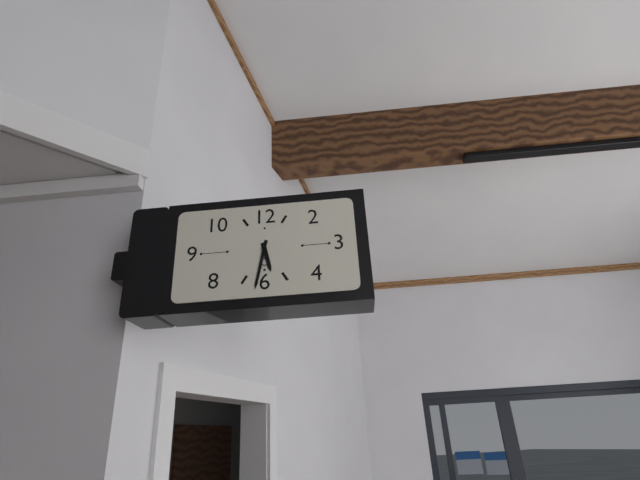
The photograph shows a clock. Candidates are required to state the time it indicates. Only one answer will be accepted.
5:32
